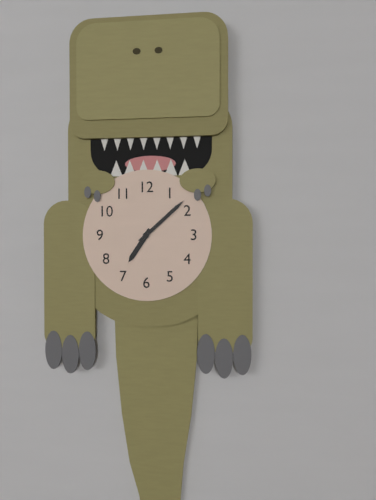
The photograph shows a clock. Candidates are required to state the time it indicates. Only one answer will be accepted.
7:08
